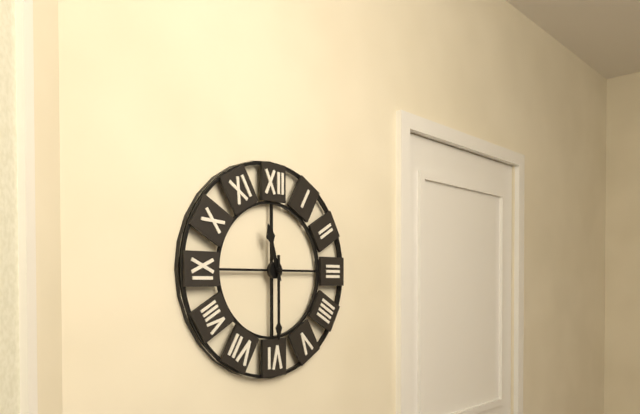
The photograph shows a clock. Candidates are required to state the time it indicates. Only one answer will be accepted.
11:30
